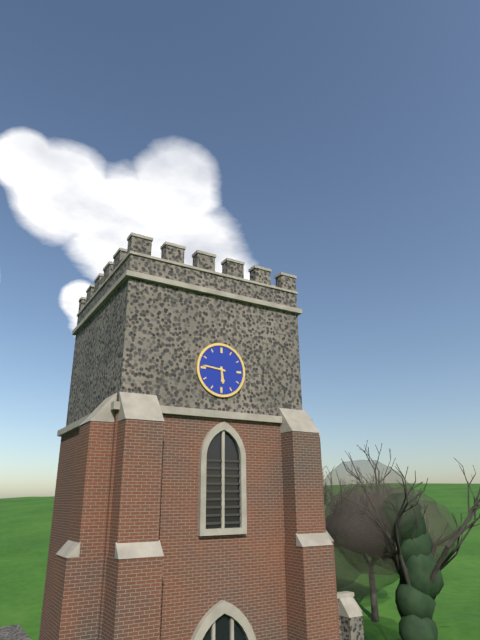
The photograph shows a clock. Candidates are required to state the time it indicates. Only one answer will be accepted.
5:46
